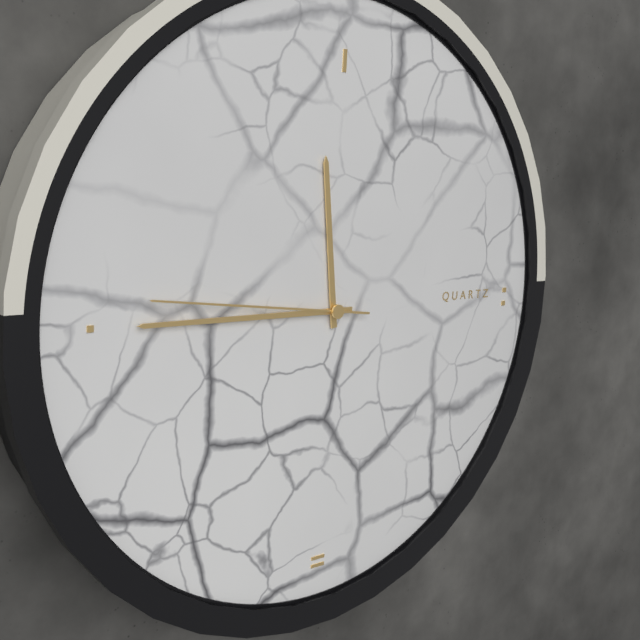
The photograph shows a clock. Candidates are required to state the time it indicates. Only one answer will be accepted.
11:45:46
